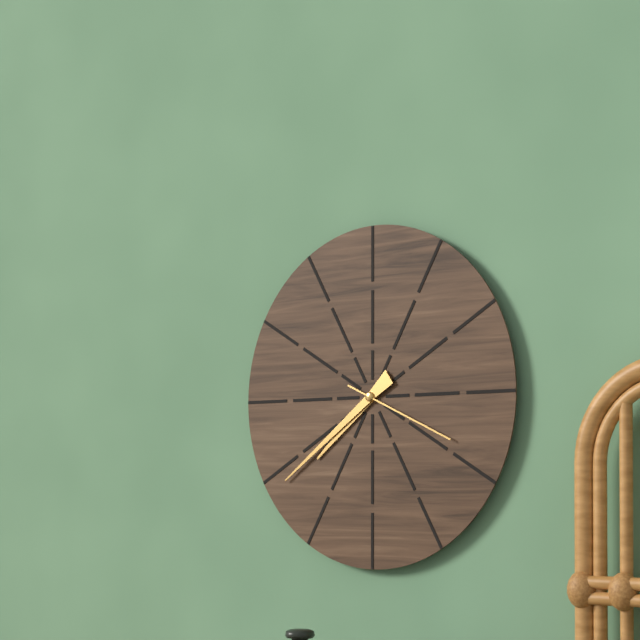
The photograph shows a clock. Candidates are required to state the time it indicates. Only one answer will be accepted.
7:39:19
